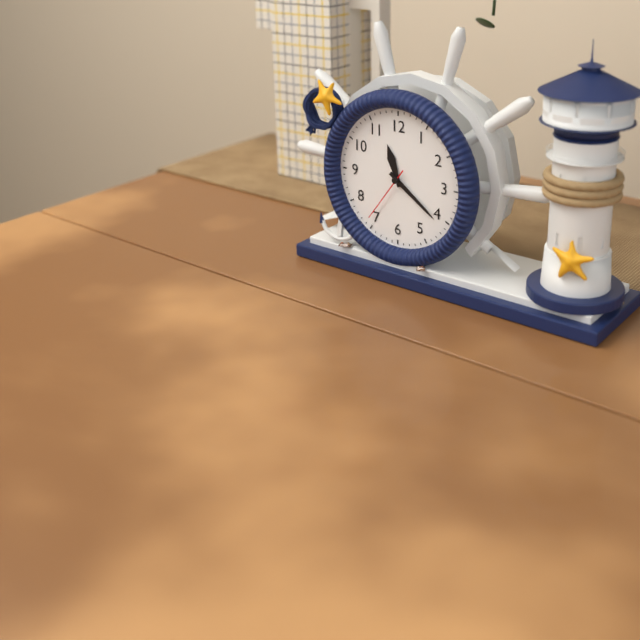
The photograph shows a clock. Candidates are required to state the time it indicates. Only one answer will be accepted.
11:21:36
